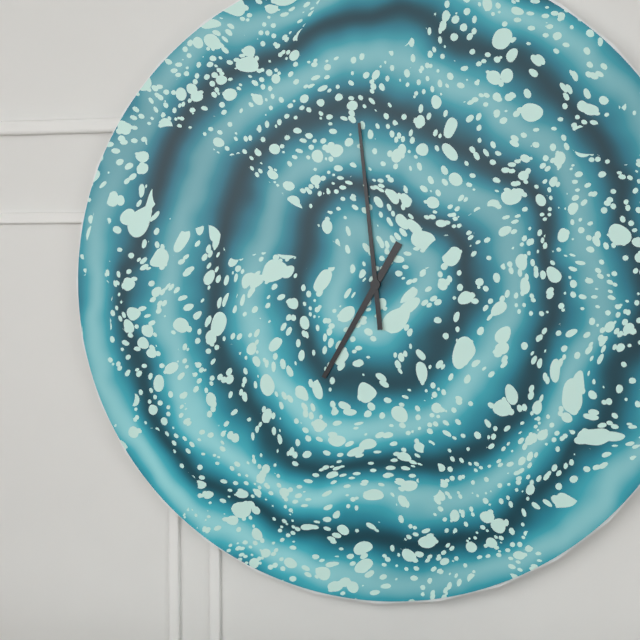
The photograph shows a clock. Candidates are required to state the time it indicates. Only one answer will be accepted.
6:59
